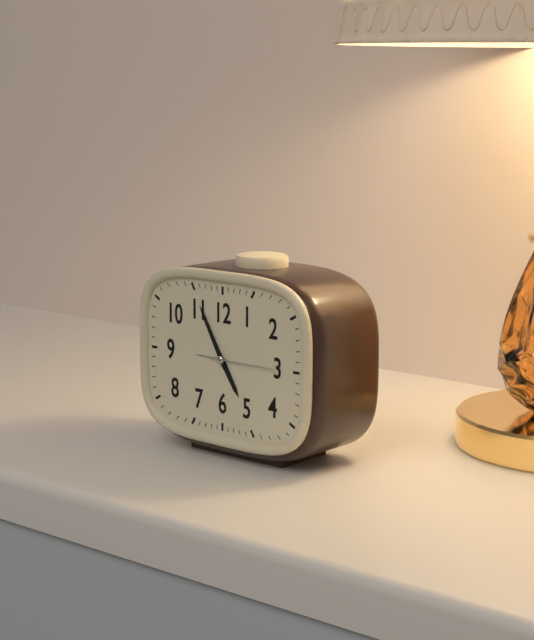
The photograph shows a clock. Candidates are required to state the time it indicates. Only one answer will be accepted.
4:55:15
